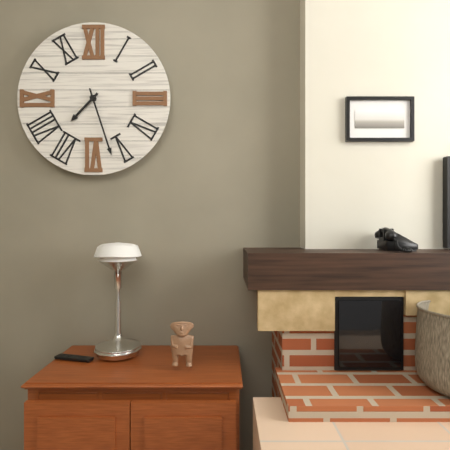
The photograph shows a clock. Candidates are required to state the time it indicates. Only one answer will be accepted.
7:27
